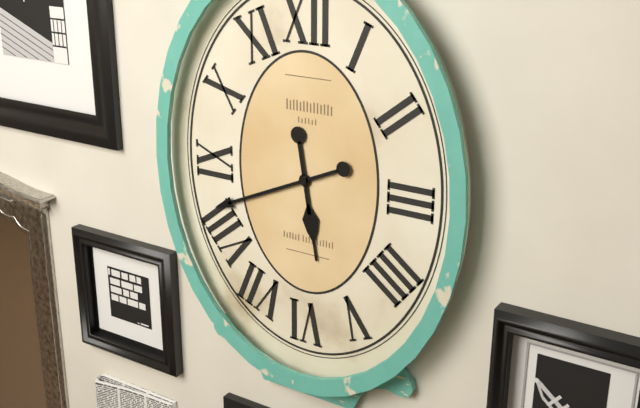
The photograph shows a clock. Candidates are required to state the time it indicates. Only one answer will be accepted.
5:41
